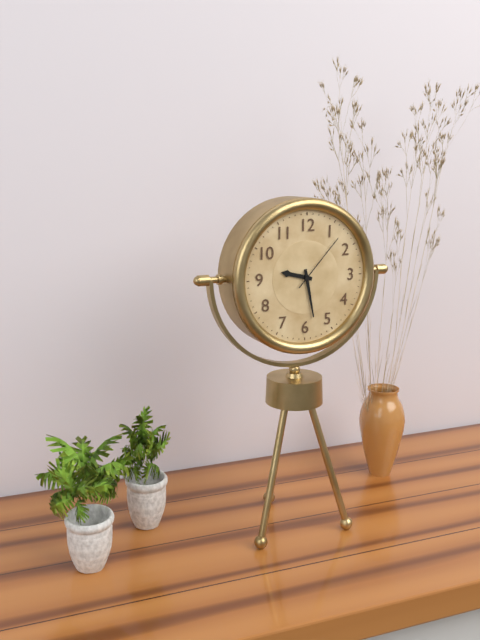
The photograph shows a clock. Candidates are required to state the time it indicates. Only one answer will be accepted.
9:28:07
